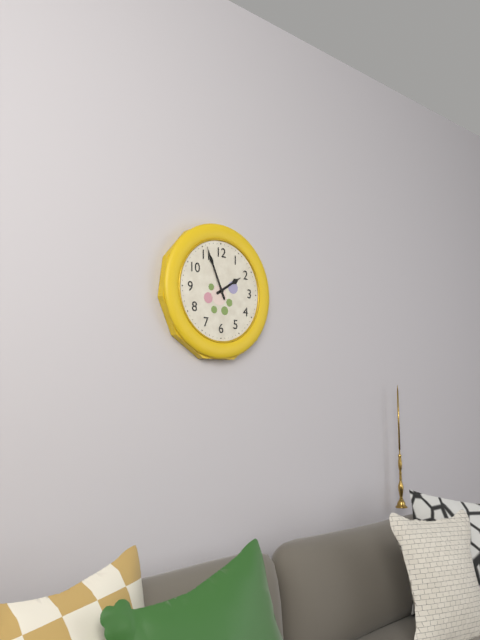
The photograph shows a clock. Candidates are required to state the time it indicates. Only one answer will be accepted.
1:56
